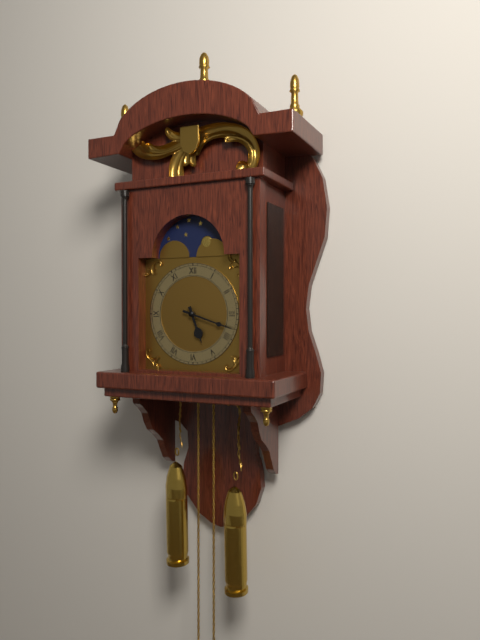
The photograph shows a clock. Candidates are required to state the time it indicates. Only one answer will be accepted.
5:18
